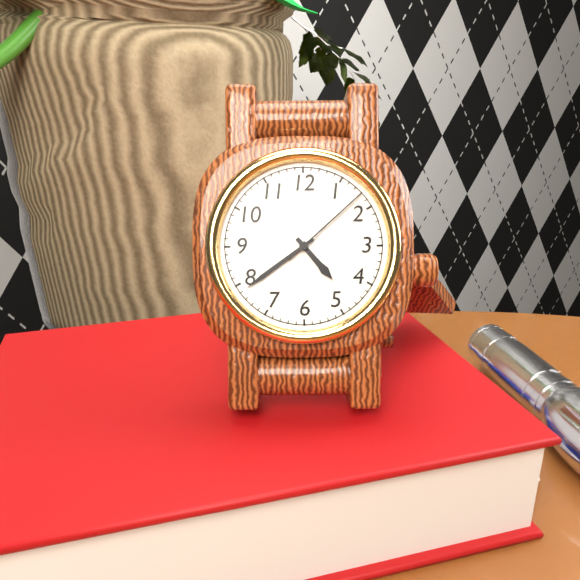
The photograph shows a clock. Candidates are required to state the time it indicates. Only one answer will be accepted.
4:39:08
